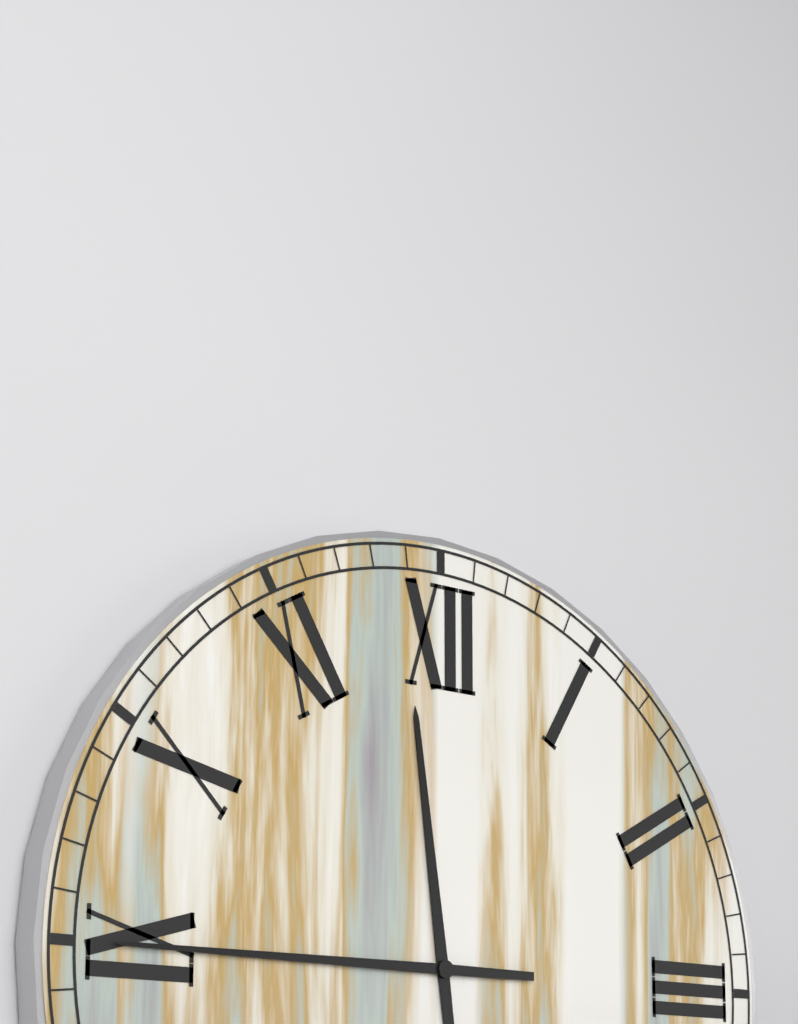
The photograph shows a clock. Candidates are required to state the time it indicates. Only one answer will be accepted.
11:45
